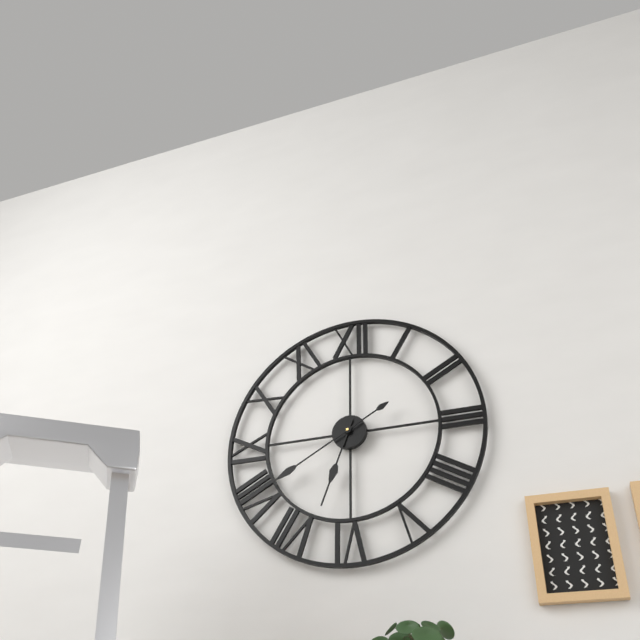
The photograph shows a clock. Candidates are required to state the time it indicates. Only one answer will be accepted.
6:40
